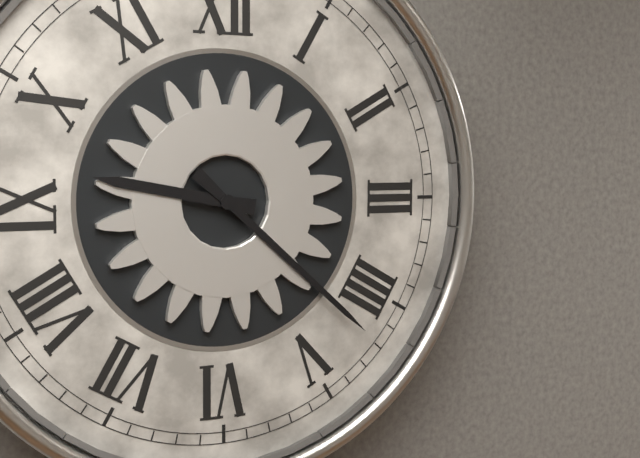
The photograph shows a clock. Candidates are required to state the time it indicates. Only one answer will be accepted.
9:22
